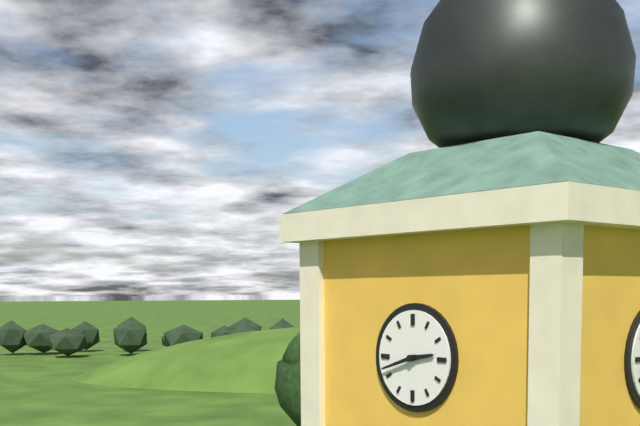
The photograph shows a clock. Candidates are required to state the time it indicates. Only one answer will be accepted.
2:42
